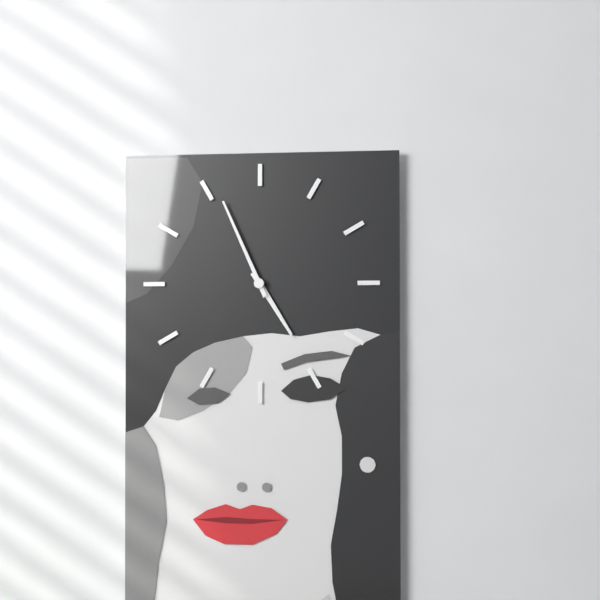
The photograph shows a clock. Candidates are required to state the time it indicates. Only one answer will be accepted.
4:56
